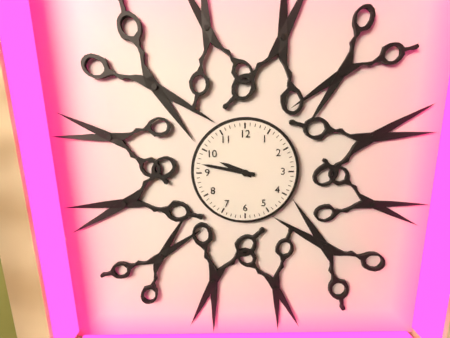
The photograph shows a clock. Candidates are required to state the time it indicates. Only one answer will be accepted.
9:47
